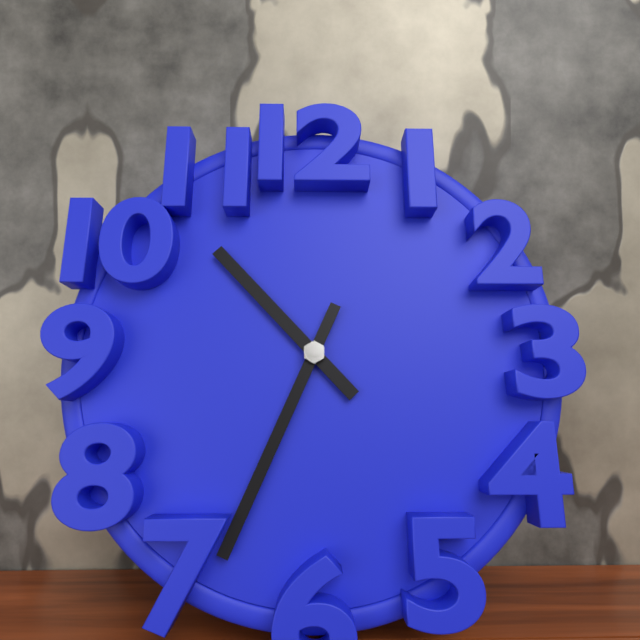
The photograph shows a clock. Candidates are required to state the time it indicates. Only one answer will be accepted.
10:34
